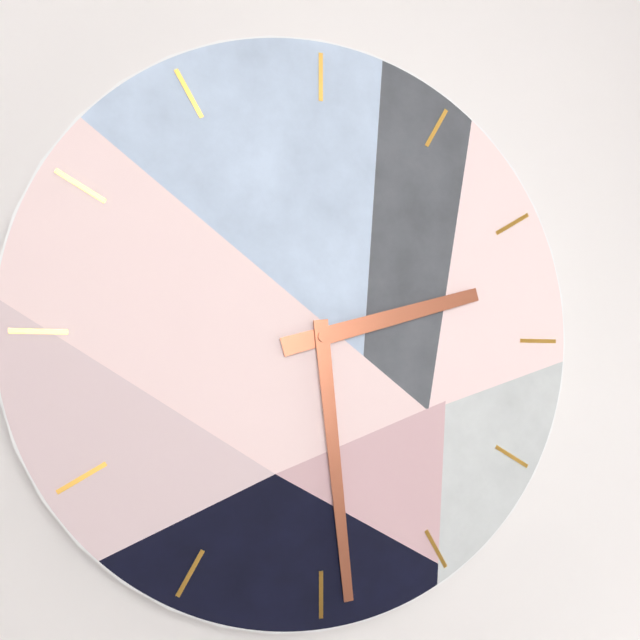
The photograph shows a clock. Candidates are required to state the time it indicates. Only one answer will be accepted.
2:29
